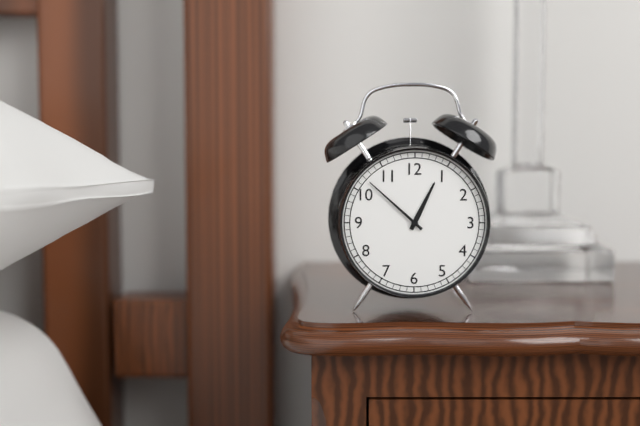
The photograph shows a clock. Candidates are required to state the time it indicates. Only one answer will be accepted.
12:52
